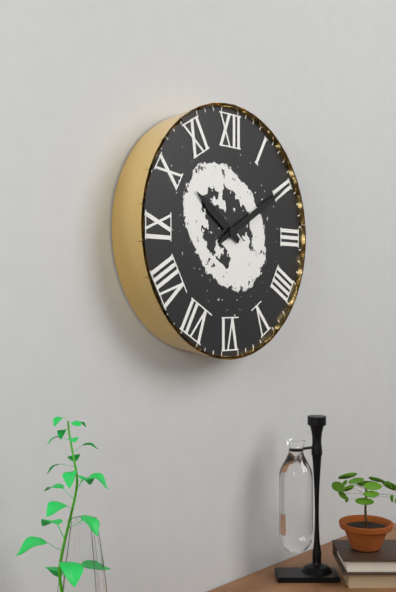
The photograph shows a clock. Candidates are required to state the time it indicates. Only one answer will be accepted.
10:10
